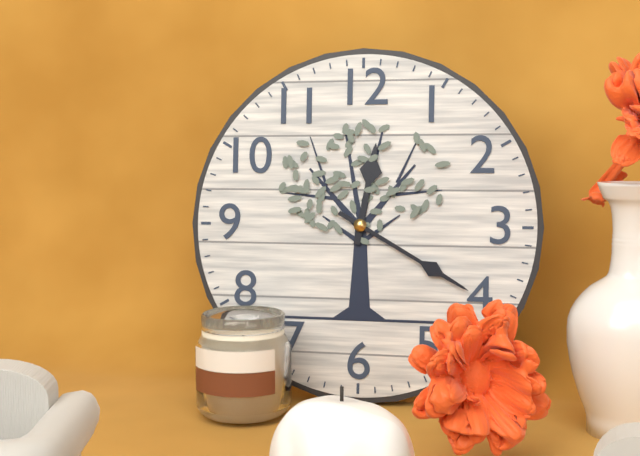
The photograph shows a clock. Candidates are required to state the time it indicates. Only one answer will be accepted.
12:20
